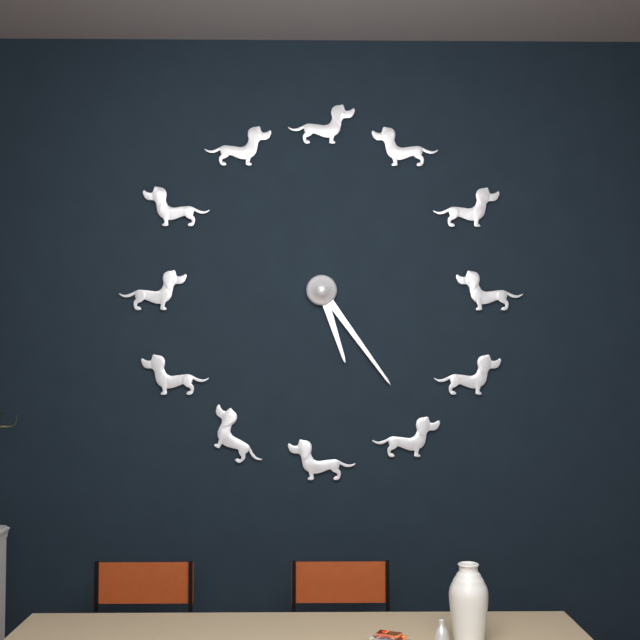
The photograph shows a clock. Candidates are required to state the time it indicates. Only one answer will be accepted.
5:24
